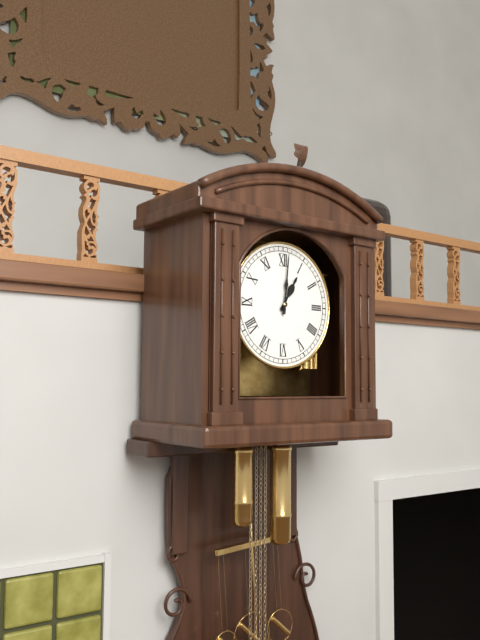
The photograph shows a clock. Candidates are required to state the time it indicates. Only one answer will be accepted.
1:01
